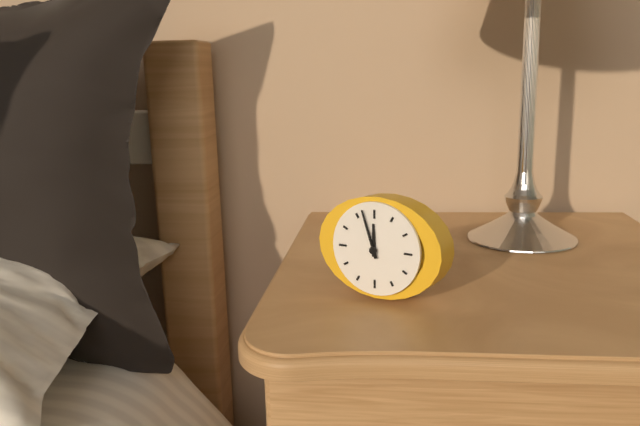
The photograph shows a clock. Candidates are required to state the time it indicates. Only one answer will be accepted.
11:57
